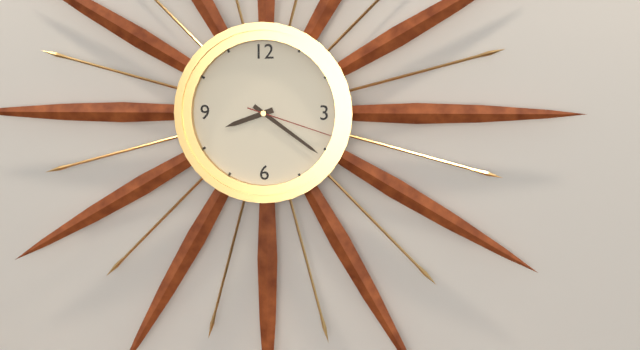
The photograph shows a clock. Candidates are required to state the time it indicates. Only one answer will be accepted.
8:21:18
